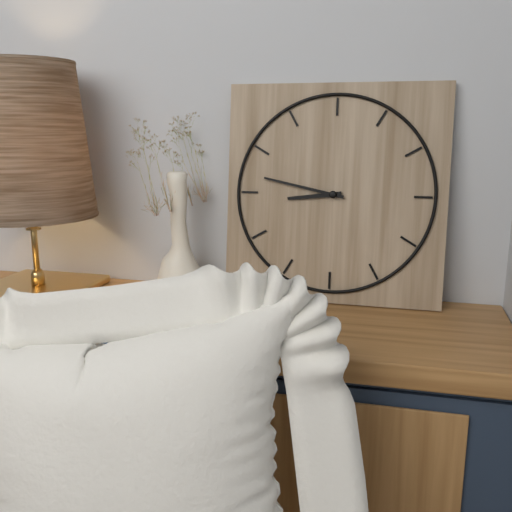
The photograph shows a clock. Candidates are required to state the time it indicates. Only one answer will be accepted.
8:47
